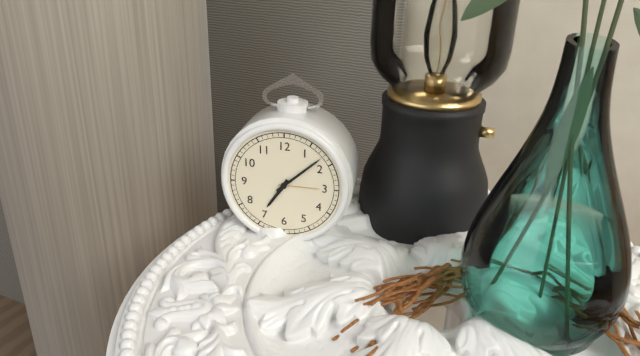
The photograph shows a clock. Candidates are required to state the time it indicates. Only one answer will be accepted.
7:08
